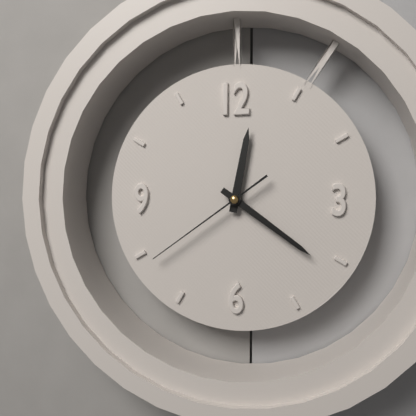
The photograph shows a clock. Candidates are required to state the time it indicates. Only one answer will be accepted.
12:21:39
